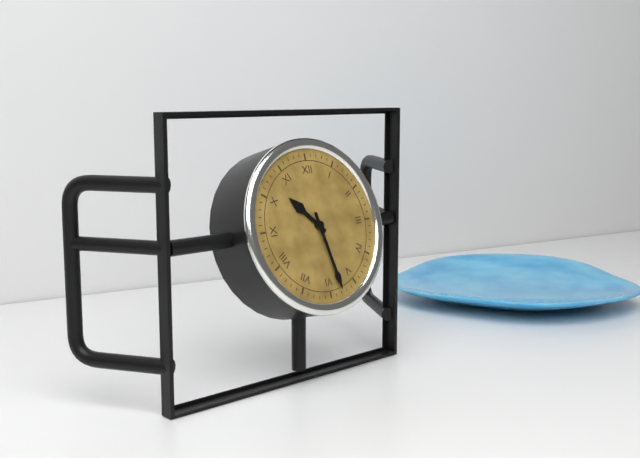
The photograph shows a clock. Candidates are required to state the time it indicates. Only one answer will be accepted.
10:28
